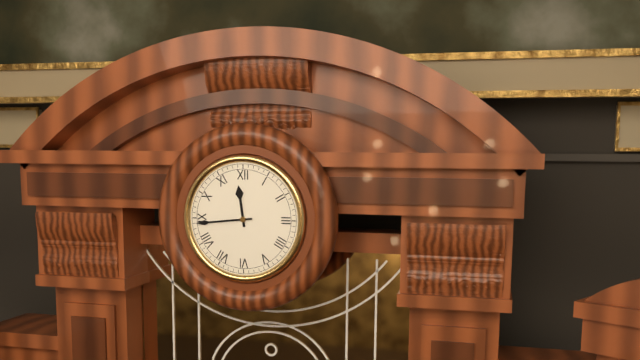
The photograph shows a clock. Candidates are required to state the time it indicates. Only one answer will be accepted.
11:44
